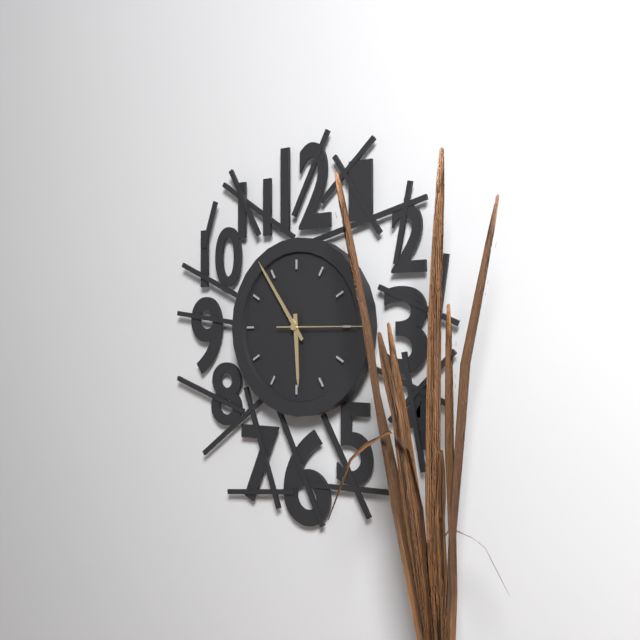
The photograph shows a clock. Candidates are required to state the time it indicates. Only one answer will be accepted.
5:54:15
